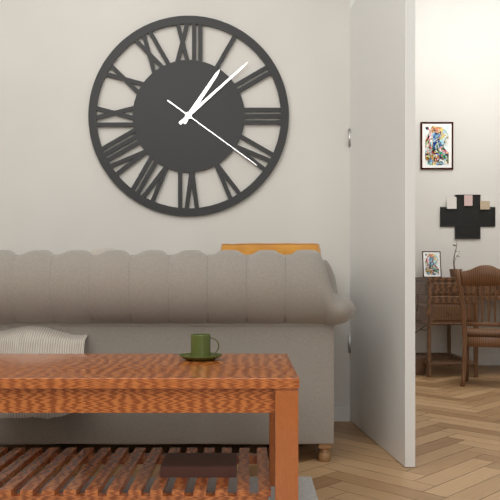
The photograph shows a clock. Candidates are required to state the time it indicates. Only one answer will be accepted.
1:08:21
